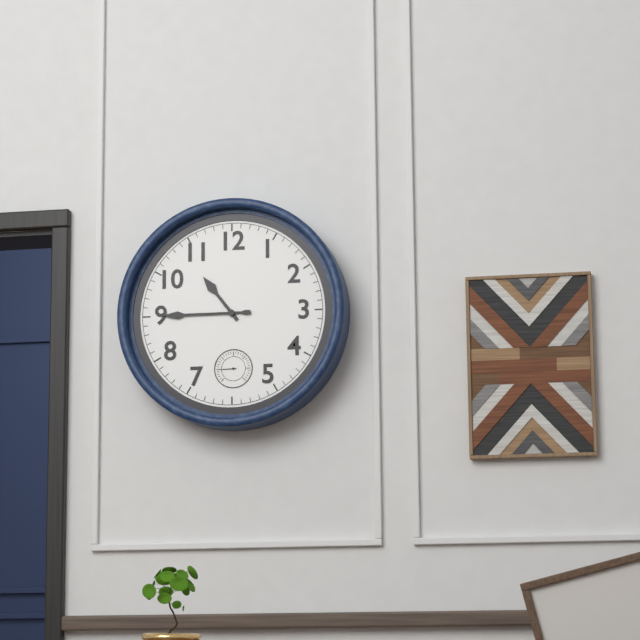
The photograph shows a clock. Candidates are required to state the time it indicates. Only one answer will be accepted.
10:45
